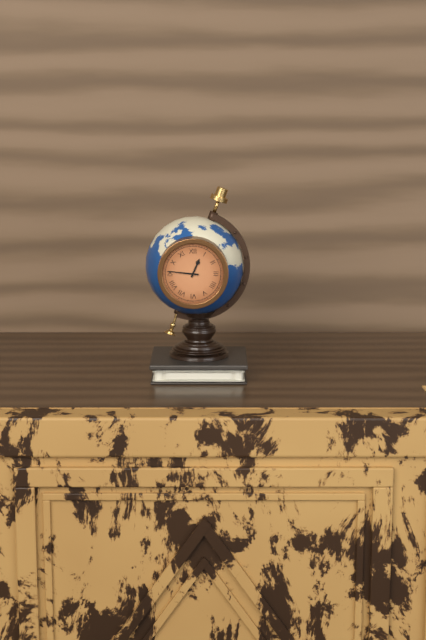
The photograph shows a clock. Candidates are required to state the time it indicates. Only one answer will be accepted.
12:46
